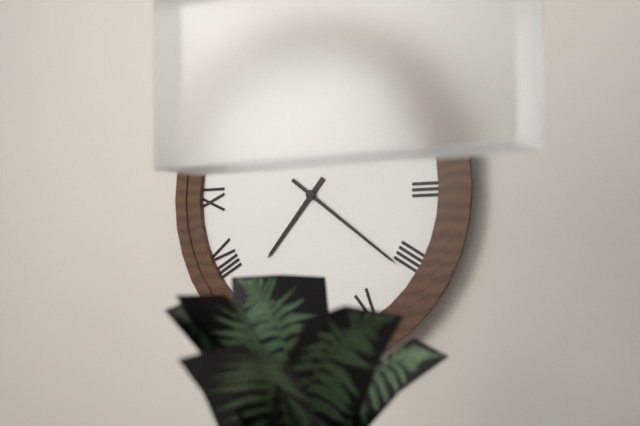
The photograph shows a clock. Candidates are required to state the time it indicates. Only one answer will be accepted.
7:21
